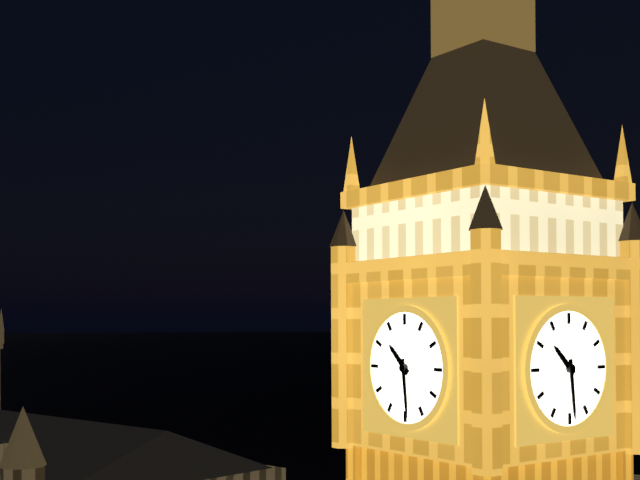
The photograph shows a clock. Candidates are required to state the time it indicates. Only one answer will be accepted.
10:29
